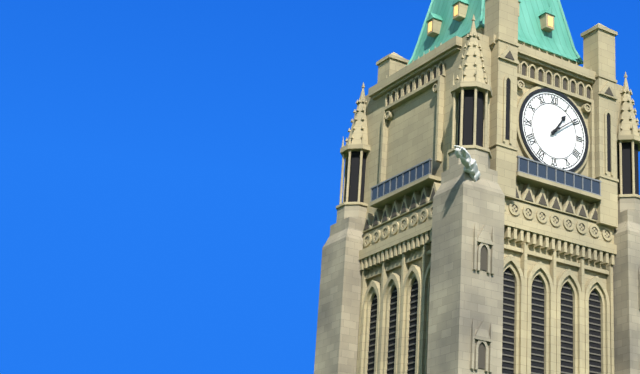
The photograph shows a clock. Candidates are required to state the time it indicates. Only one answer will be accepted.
1:09
